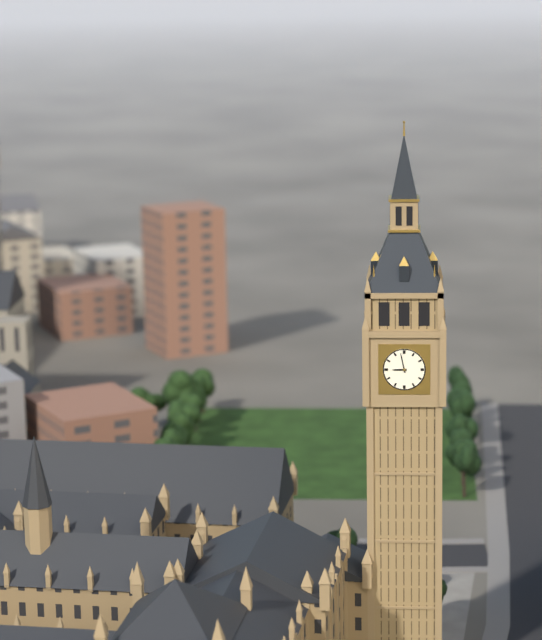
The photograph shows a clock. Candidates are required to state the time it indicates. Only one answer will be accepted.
8:58
